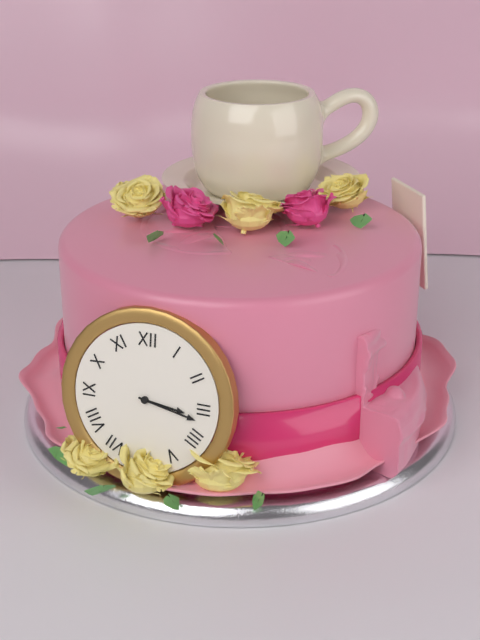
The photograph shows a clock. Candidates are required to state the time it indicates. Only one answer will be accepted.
3:17
